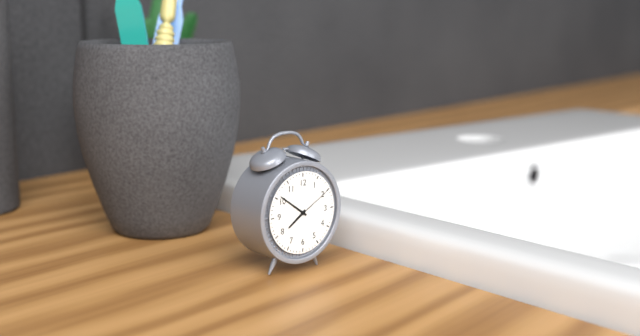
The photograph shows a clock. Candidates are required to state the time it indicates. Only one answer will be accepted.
7:51
